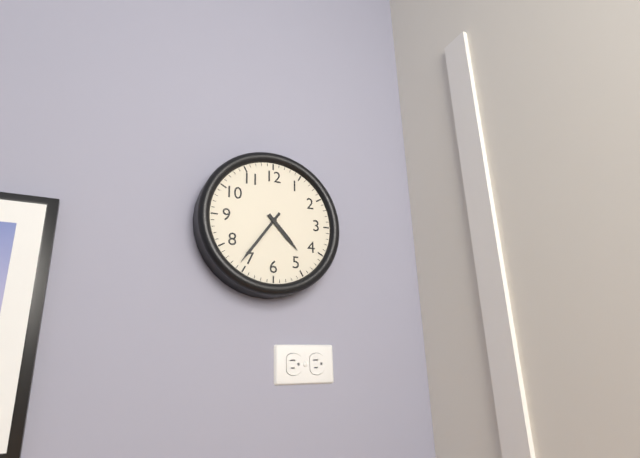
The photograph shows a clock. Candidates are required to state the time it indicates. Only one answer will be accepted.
4:36
